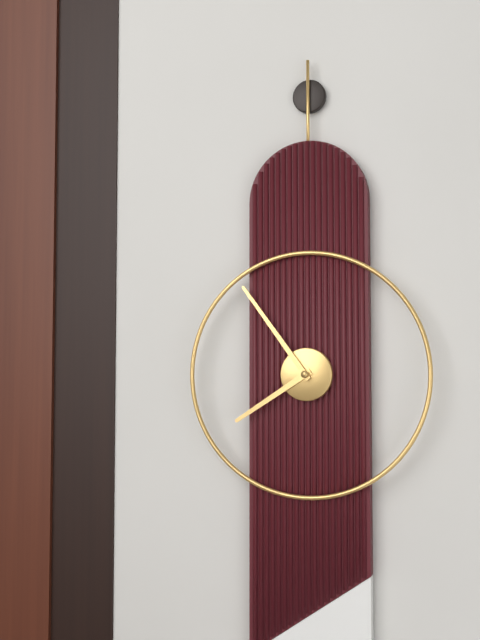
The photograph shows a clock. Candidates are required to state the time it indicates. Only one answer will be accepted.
7:54
